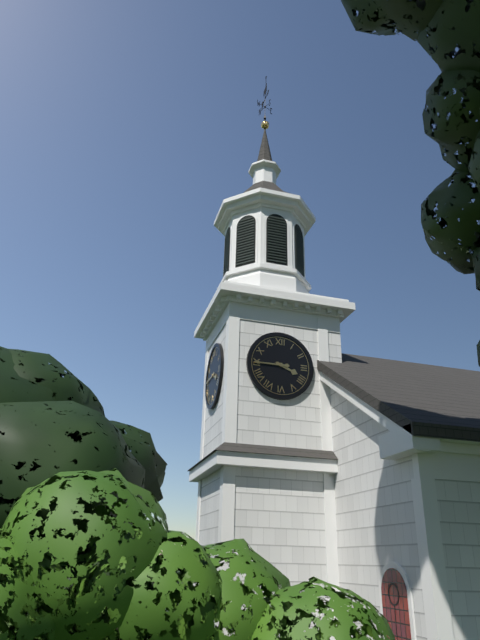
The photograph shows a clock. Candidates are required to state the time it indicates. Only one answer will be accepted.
3:45
